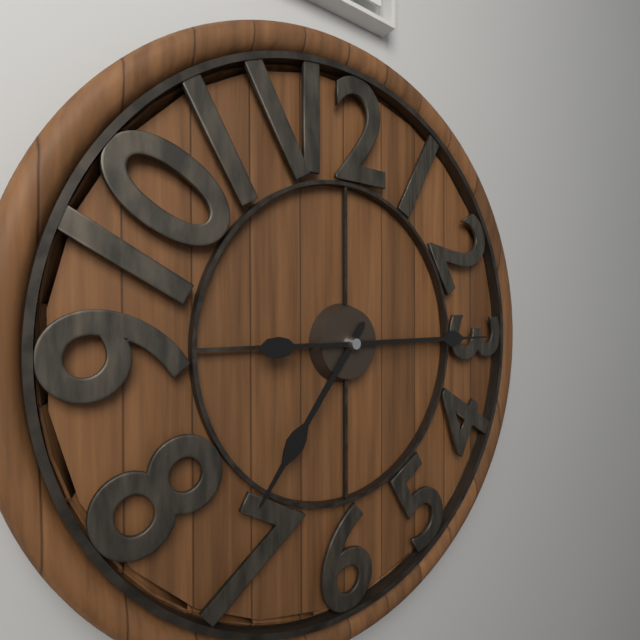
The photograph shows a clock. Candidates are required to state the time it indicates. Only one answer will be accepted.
7:15
